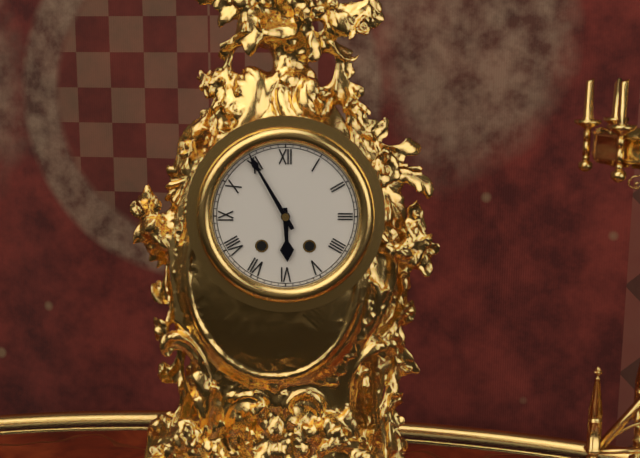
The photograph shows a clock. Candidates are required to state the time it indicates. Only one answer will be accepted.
5:55
